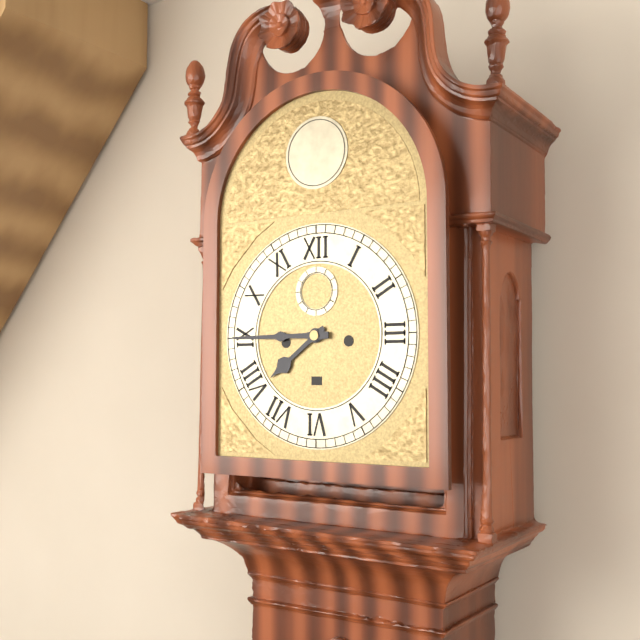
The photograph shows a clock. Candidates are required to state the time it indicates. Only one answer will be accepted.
7:45
